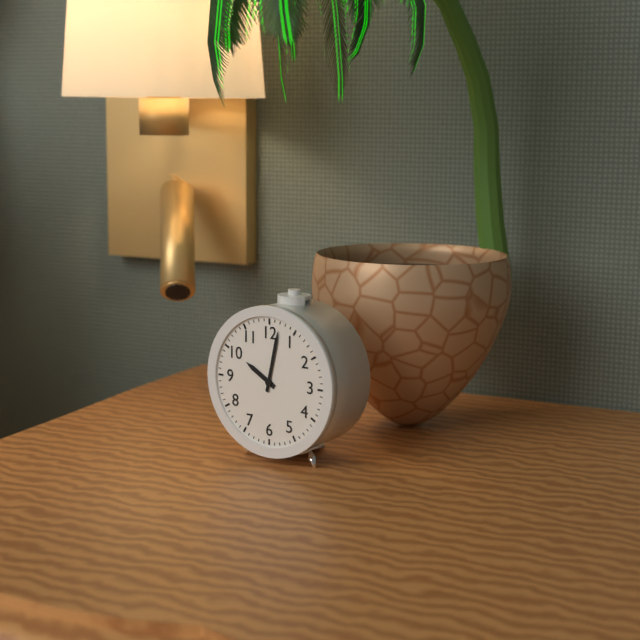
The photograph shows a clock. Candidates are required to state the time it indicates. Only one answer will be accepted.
10:02
